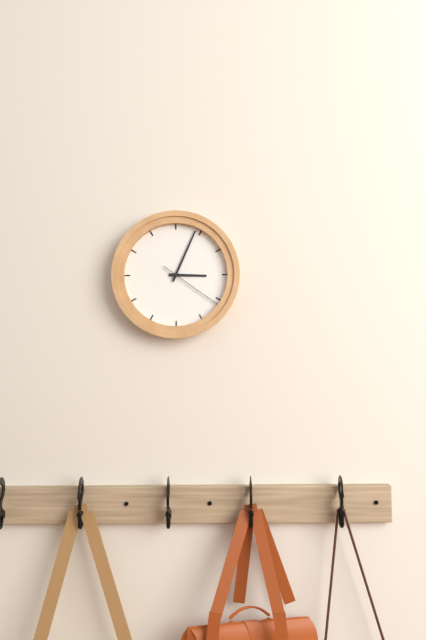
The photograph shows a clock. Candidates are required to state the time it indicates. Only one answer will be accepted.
3:04:21
